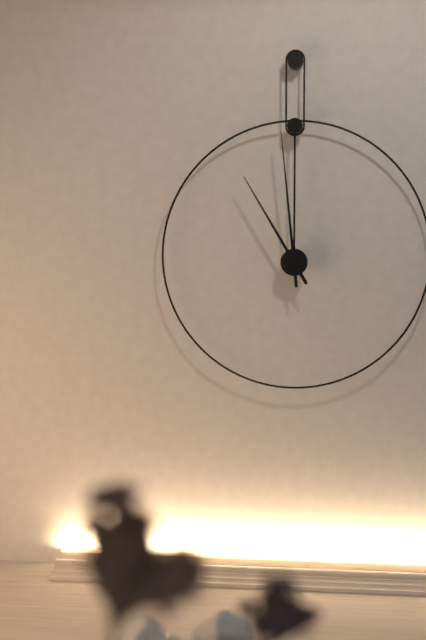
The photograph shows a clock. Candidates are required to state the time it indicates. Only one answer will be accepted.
10:59
